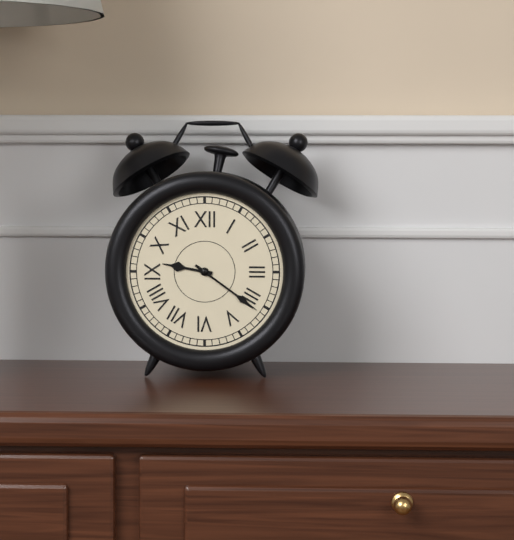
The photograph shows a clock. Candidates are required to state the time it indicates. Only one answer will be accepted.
9:21
